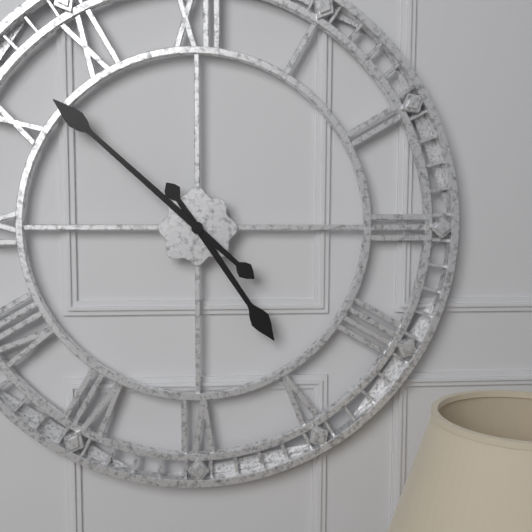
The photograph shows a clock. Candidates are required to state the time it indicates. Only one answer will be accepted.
4:52
